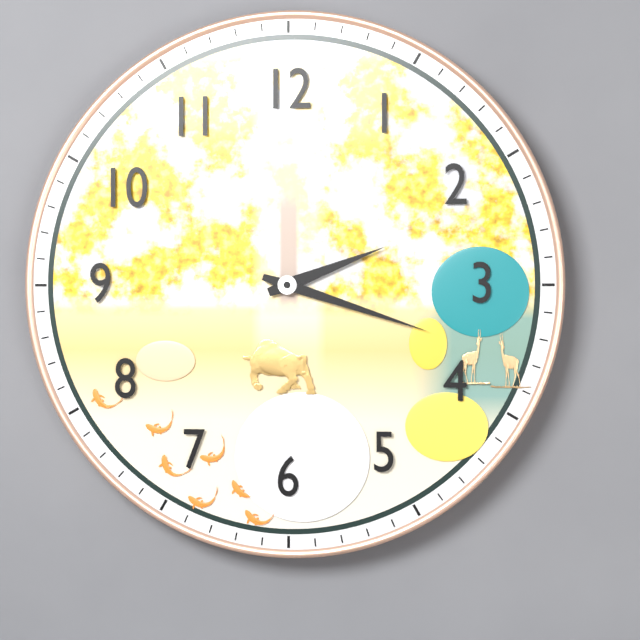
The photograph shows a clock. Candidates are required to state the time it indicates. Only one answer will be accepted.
2:18
